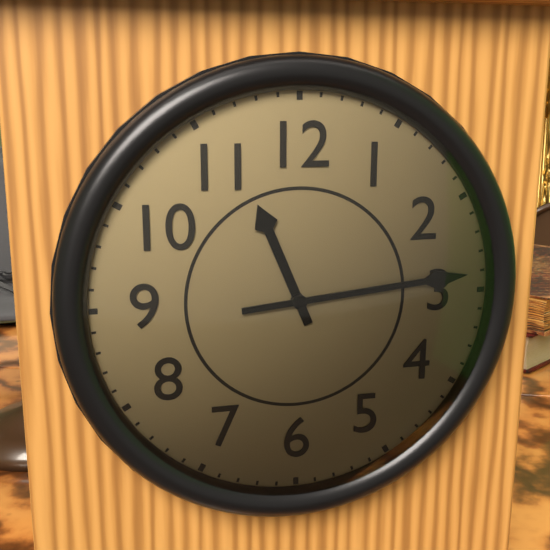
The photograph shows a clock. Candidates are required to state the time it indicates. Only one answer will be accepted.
11:14
